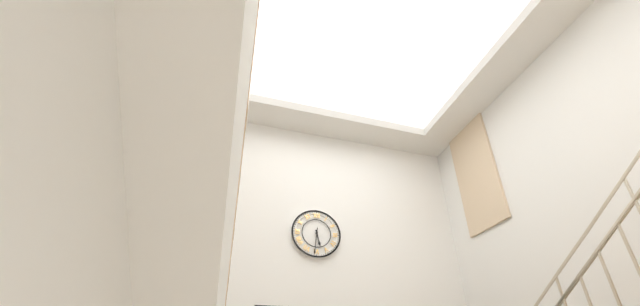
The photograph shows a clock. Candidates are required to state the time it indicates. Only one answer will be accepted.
5:31
